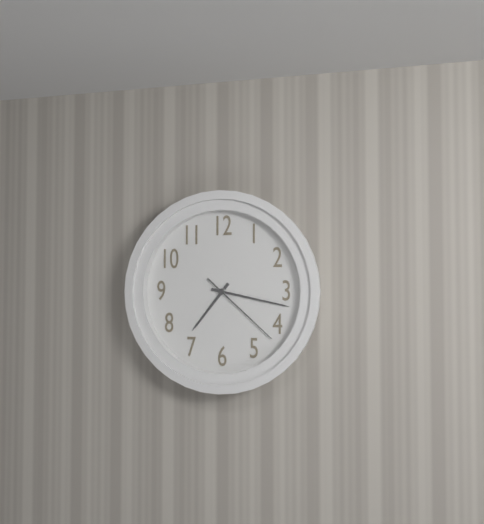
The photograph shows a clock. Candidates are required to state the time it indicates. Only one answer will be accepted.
7:17:22
